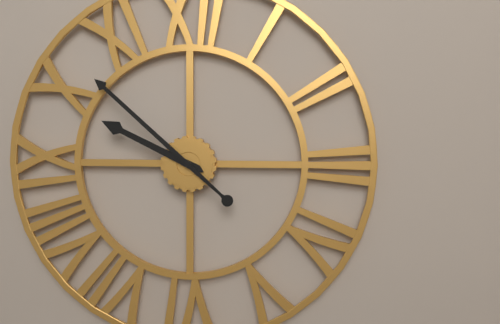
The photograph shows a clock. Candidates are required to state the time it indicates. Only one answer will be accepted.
9:52
